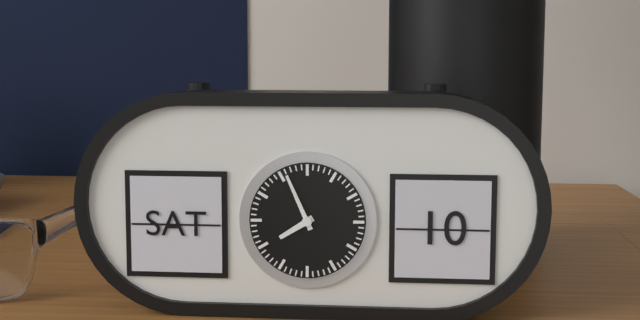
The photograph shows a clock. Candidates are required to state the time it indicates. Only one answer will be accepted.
7:56
